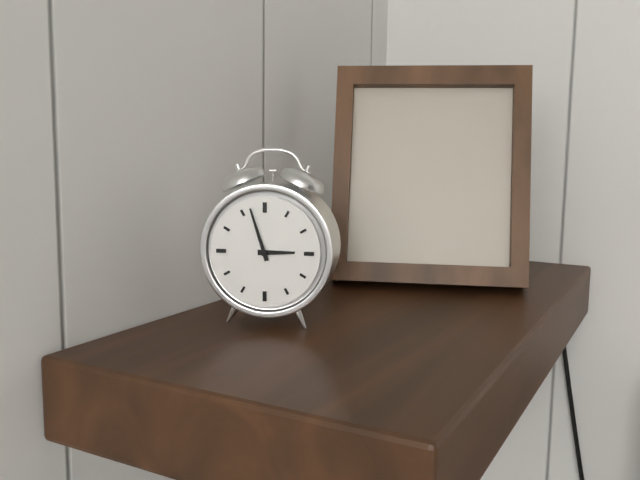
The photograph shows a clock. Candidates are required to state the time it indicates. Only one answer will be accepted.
2:57
